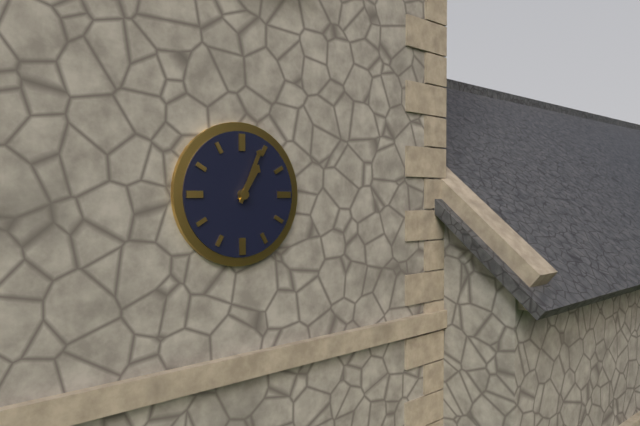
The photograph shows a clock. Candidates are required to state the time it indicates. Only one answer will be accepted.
1:04
